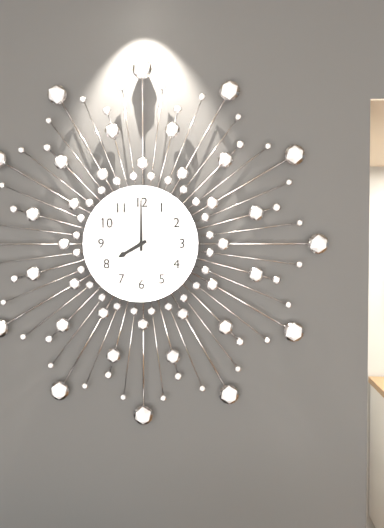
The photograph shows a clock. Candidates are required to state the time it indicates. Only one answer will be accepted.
8:00
